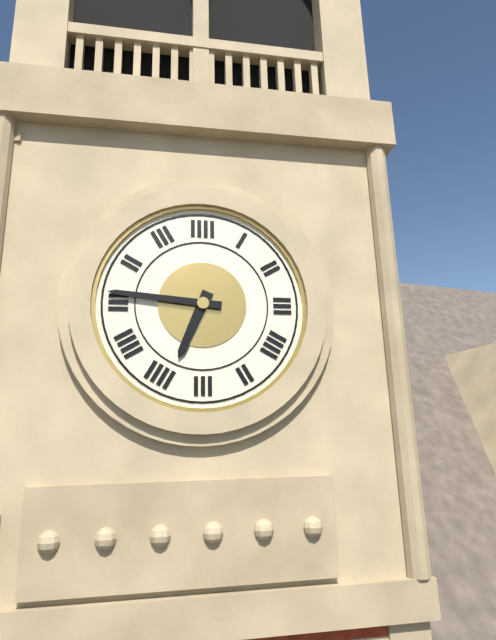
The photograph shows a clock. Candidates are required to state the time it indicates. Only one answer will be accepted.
6:46
